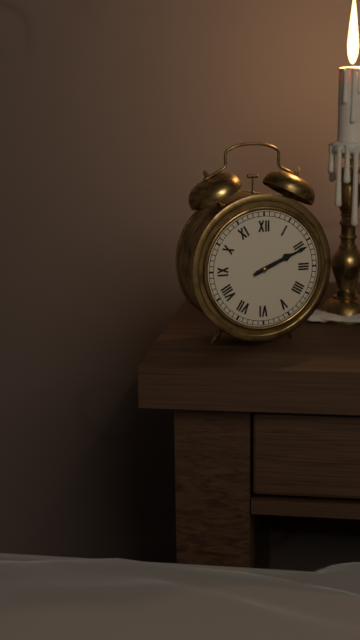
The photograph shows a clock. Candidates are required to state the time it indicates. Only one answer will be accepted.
2:11
